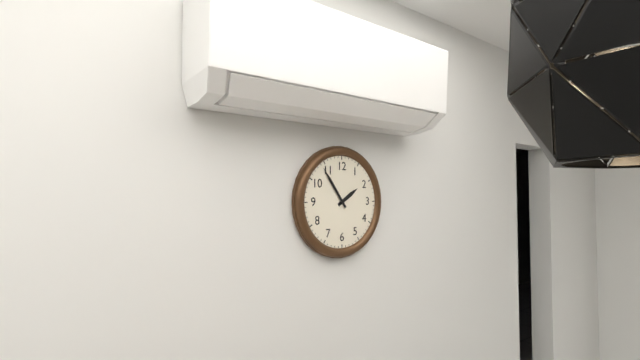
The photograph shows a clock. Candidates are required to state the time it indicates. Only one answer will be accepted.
1:54
